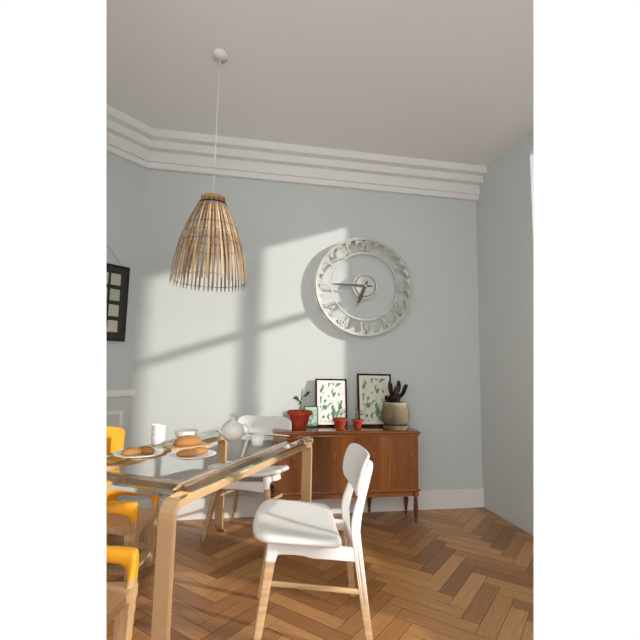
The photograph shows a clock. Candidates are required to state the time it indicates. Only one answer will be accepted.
6:45
